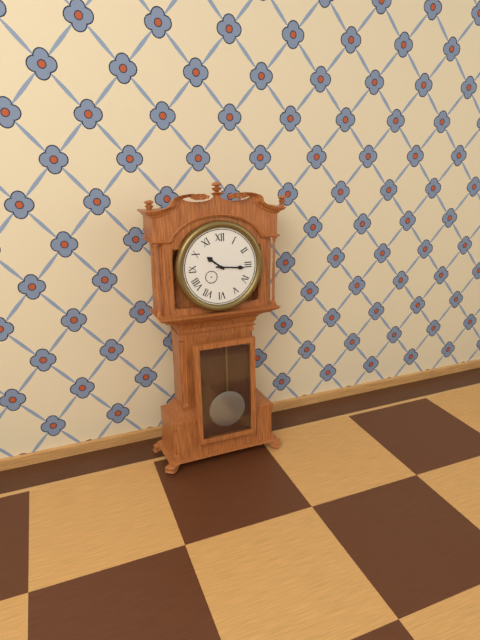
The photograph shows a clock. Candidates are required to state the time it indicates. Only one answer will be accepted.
10:16
